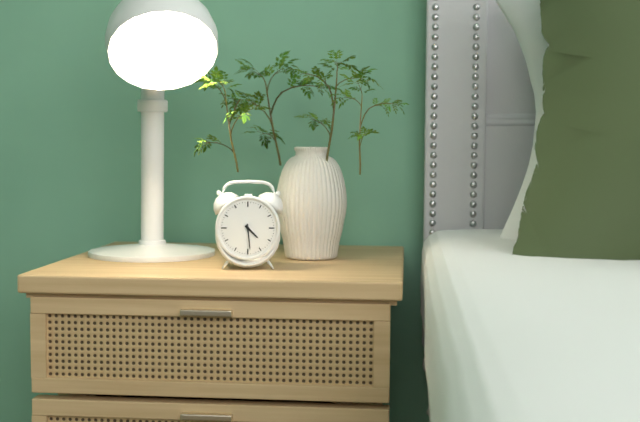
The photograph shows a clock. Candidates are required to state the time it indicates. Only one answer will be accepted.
4:29
